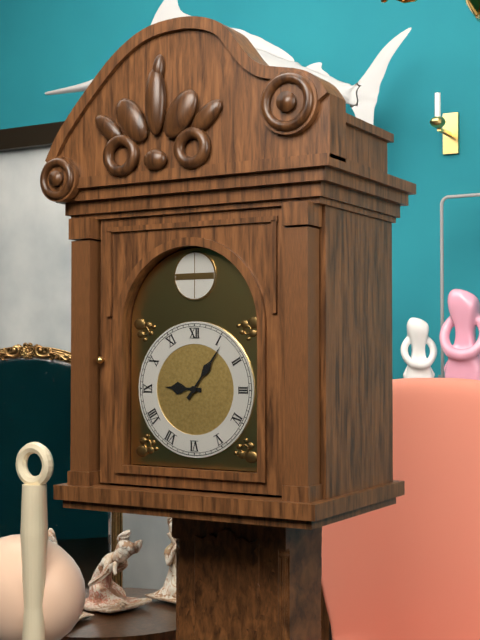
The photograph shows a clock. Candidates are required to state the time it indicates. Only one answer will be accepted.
9:06
